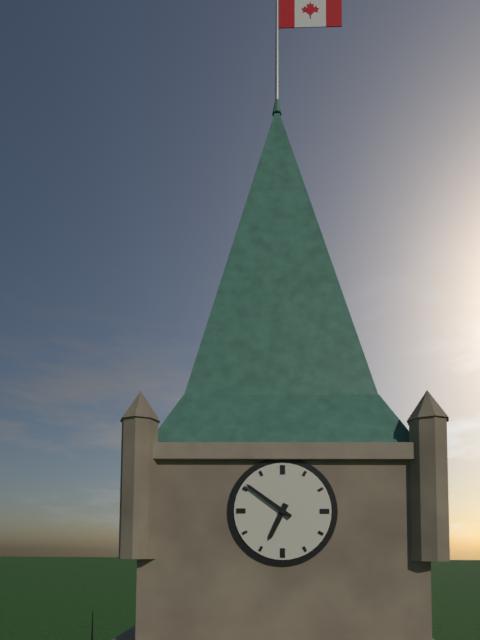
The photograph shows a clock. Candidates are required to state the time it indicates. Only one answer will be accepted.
6:51
